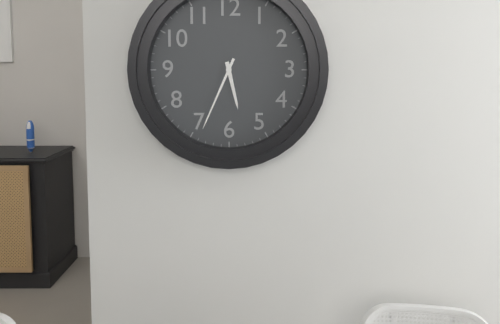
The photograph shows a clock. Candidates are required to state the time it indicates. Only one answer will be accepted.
5:34
